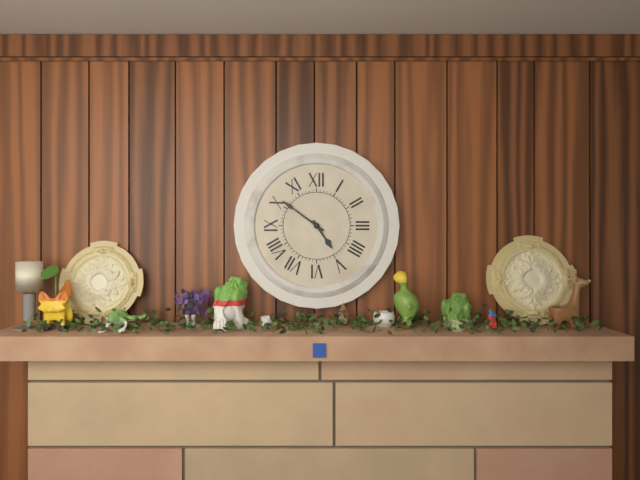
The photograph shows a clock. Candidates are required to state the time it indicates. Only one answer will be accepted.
4:51
